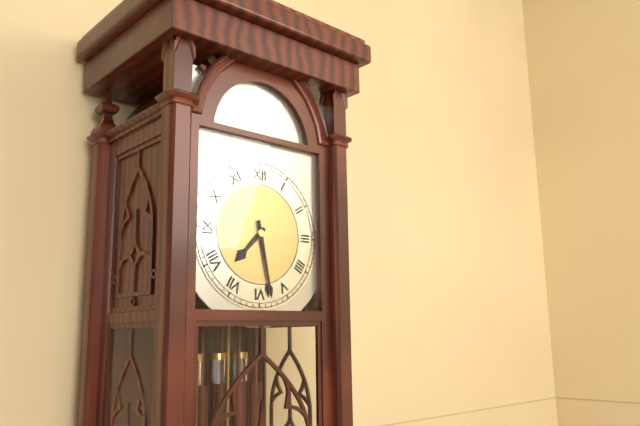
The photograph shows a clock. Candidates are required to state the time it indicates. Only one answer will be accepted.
7:28
